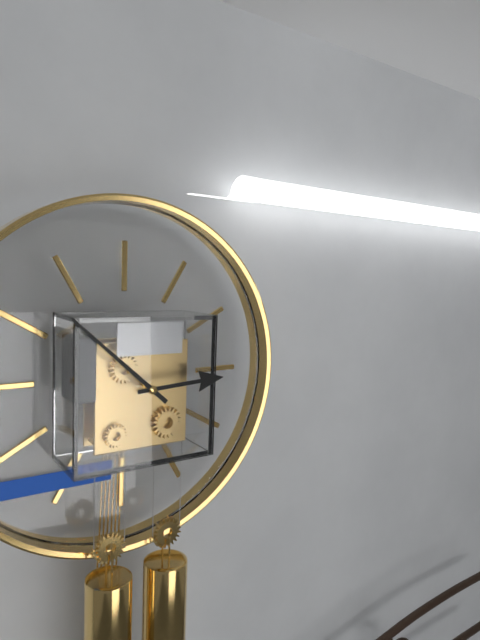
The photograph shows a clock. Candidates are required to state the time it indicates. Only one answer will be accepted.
2:52
